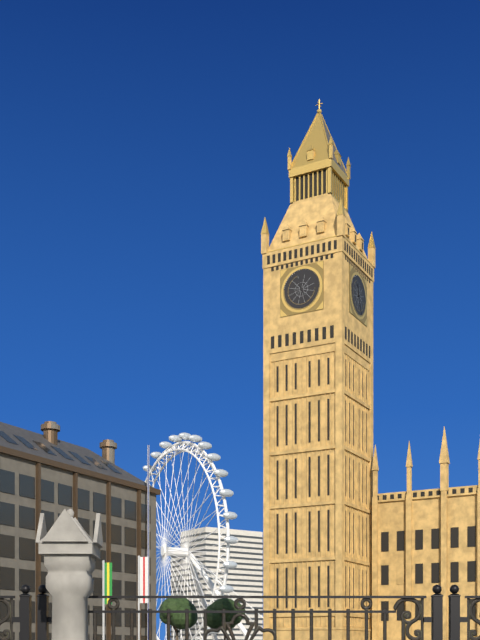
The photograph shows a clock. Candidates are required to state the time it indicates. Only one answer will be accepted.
11:26
